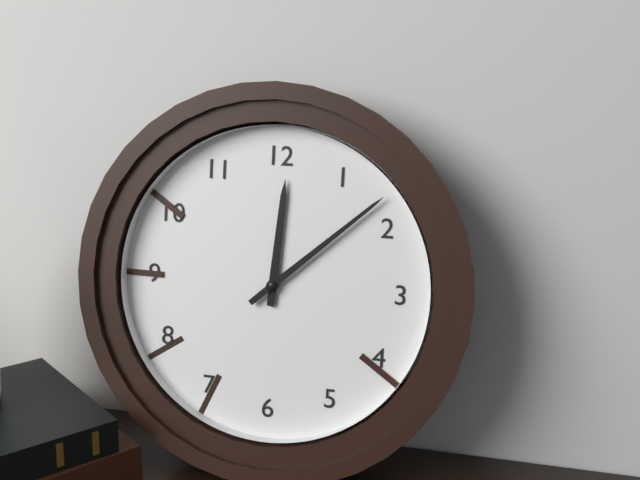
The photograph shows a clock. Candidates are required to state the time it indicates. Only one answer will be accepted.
12:08
